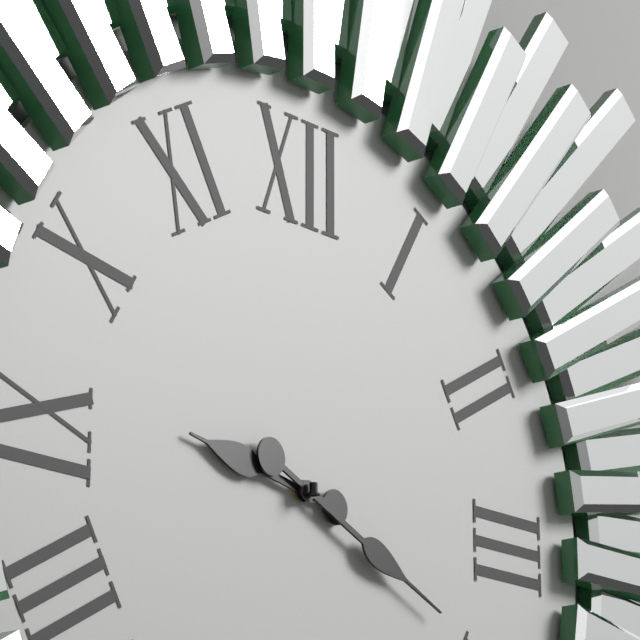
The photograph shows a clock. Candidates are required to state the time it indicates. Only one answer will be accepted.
9:19
